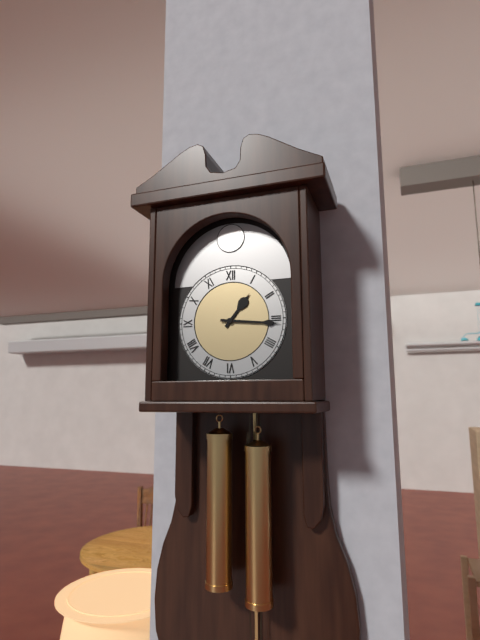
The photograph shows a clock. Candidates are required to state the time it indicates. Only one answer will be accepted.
1:16
